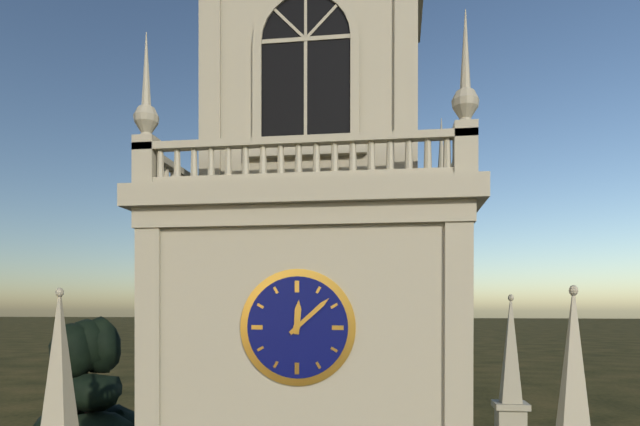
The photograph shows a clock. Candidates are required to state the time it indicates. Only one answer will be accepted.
12:08
